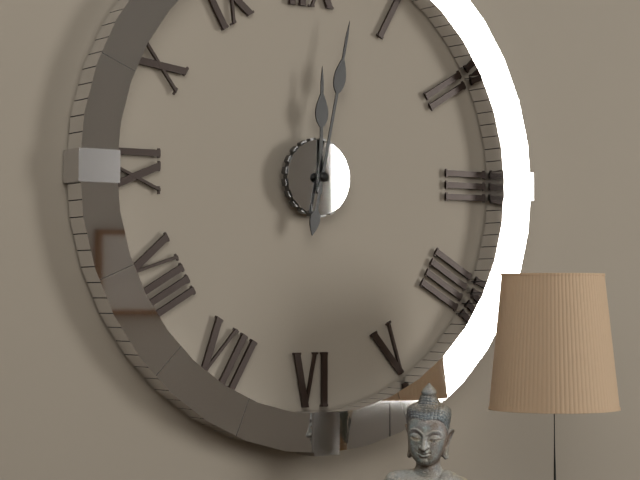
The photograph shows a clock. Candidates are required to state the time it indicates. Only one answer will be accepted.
12:02
